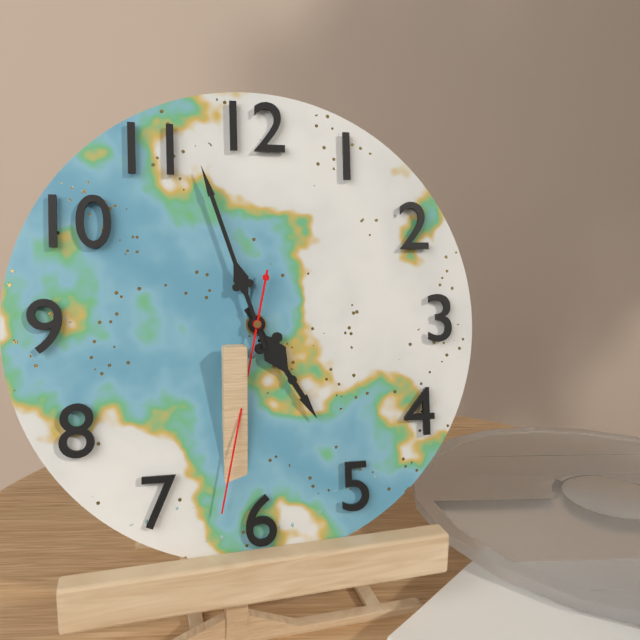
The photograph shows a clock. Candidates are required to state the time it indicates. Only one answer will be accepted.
4:57:32
